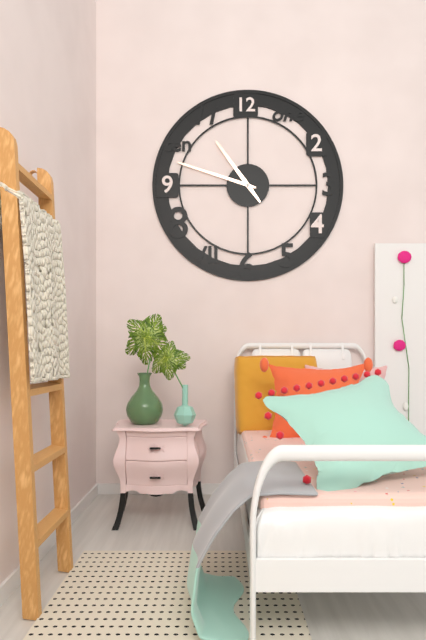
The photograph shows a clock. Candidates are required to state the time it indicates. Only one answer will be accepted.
10:48
